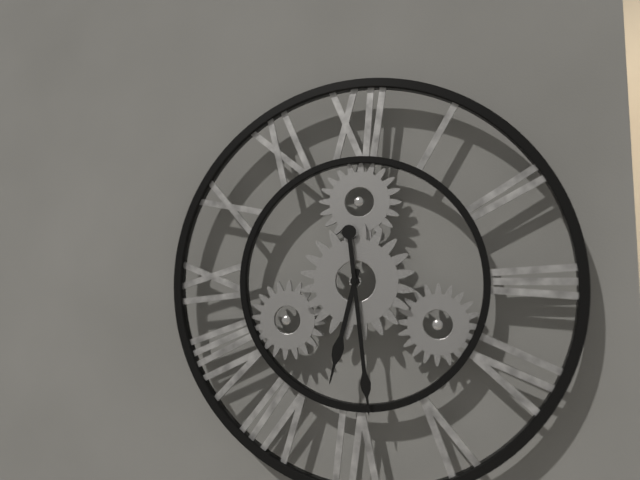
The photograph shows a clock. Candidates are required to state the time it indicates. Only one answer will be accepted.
6:29
